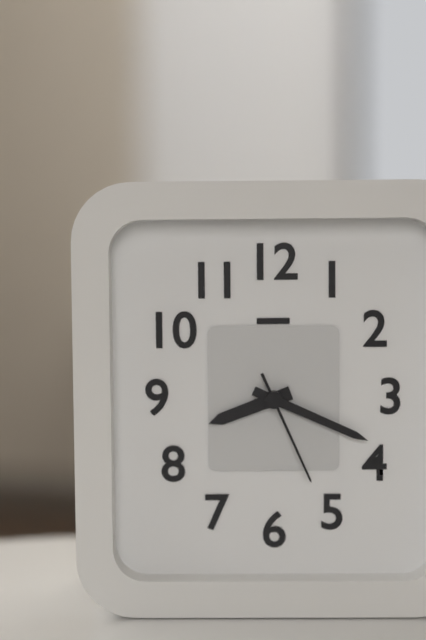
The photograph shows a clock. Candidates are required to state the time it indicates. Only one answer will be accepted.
8:19:26
